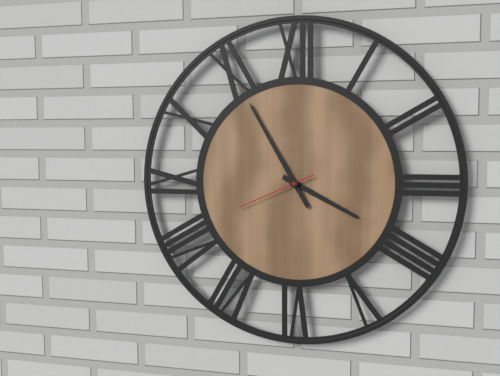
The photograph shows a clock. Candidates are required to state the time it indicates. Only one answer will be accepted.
3:55:41
